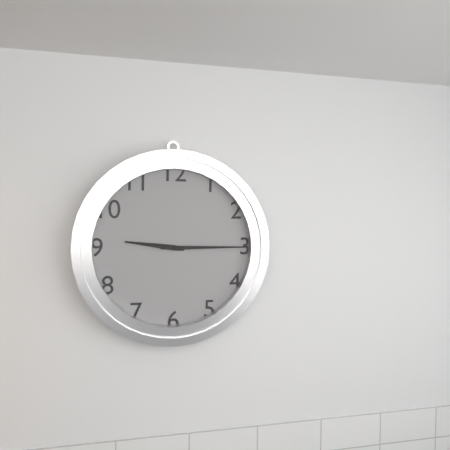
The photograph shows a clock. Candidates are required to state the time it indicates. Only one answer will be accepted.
9:15
